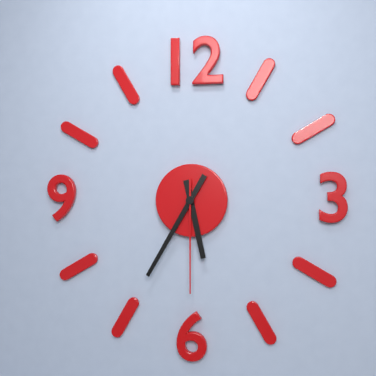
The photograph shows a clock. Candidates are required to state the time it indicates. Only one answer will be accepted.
5:35:30
